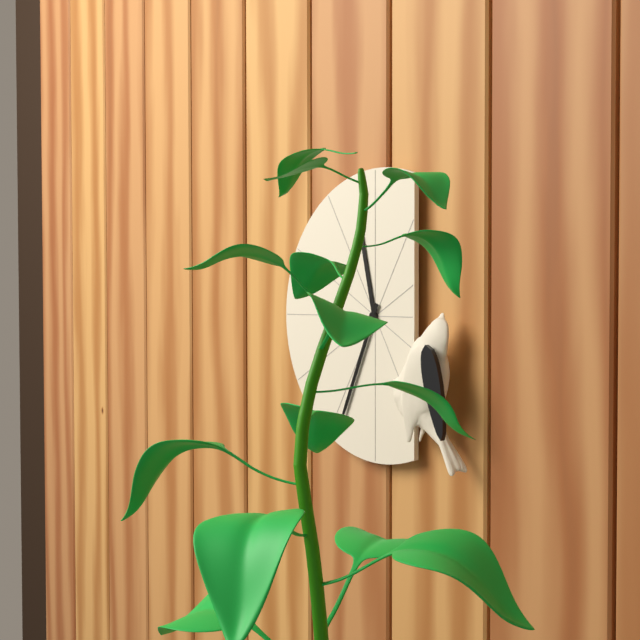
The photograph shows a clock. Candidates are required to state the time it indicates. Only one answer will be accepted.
11:34
